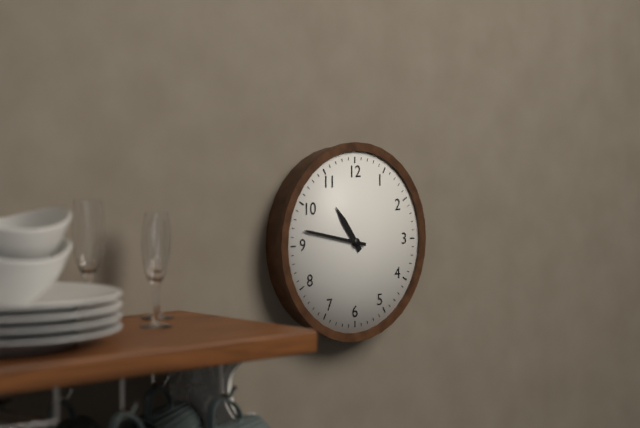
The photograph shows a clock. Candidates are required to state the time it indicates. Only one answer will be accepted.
10:47
